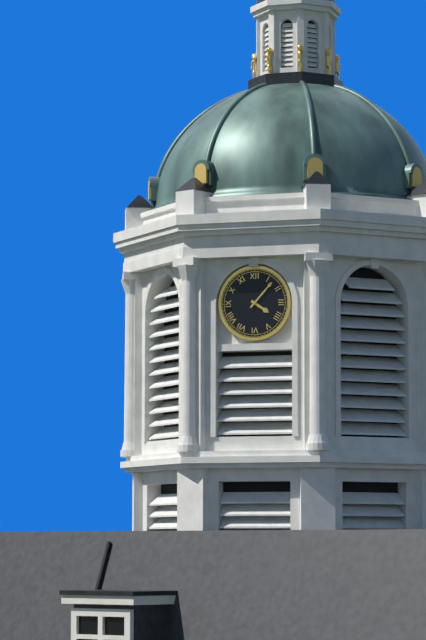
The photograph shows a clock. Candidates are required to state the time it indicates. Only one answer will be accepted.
4:07
